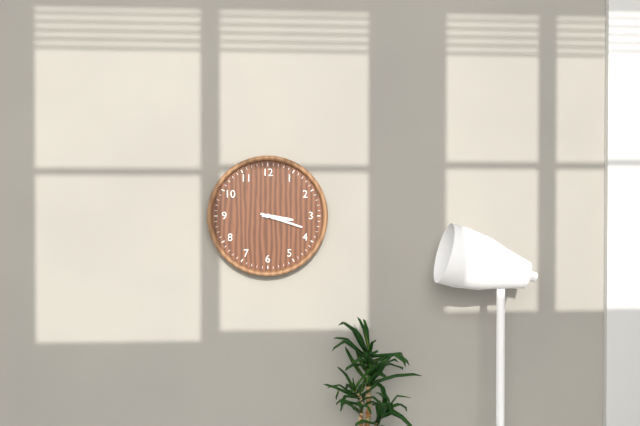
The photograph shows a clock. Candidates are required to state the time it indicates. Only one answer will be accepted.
3:18
